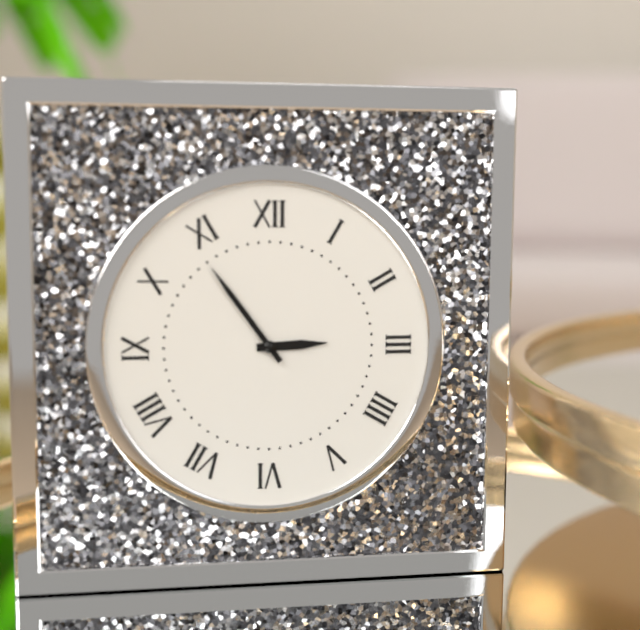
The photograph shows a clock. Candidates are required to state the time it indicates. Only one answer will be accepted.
2:54
